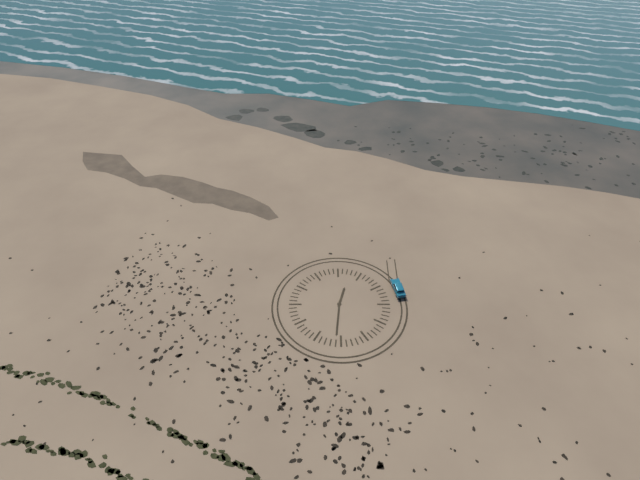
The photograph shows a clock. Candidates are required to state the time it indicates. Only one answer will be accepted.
12:31
